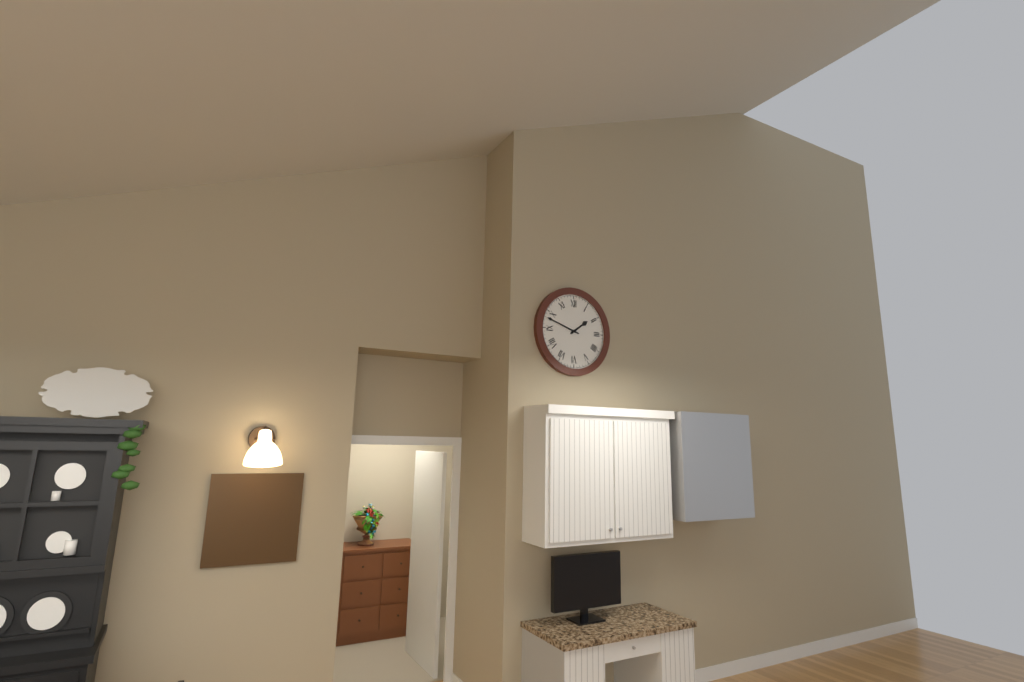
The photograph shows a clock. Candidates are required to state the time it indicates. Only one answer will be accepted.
1:48
